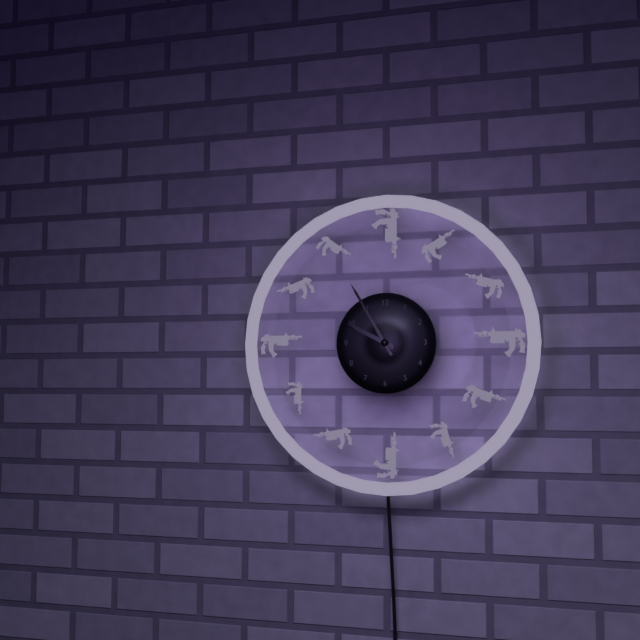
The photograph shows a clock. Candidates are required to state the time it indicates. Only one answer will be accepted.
9:55
